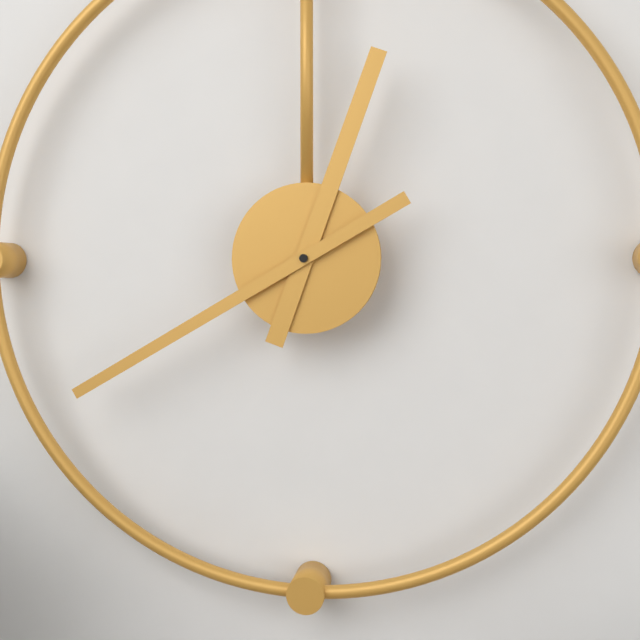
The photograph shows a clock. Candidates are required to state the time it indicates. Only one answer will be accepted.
12:40
